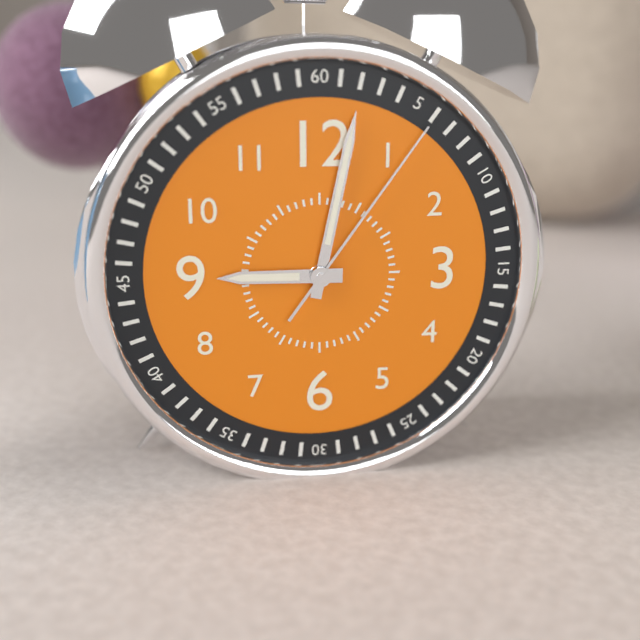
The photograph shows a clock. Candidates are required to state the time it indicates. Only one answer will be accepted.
9:02:06
